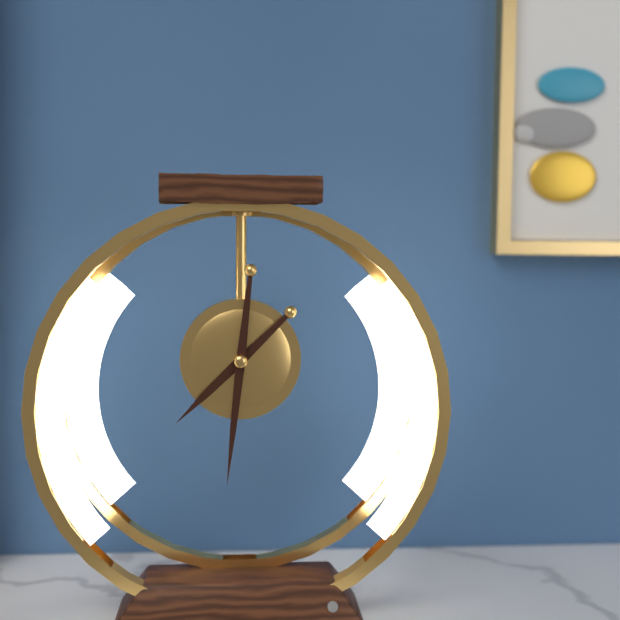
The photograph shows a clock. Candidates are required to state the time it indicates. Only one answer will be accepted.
7:31
